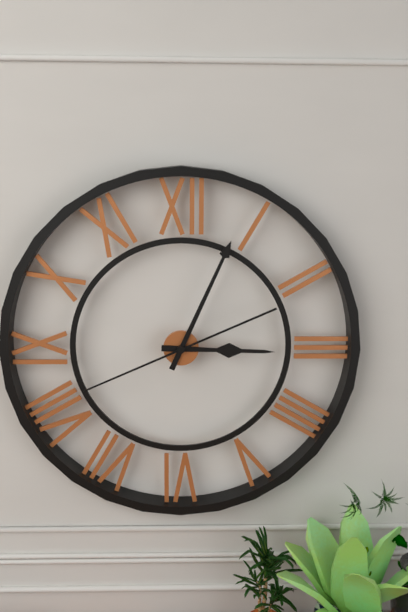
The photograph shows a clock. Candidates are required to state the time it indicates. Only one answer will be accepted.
3:04:41
